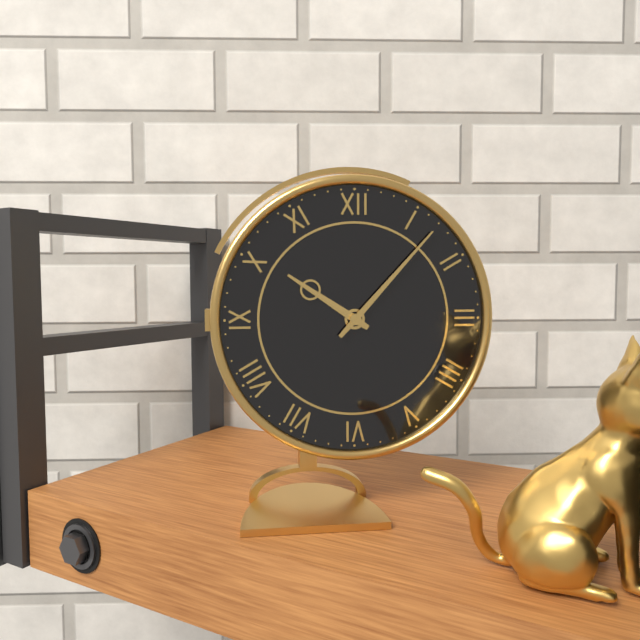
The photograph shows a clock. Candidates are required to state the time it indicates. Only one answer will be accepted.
10:07
